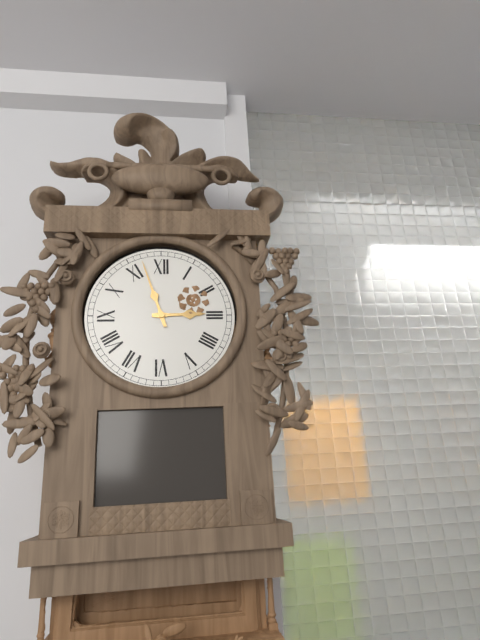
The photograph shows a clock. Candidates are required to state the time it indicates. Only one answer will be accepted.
2:57
